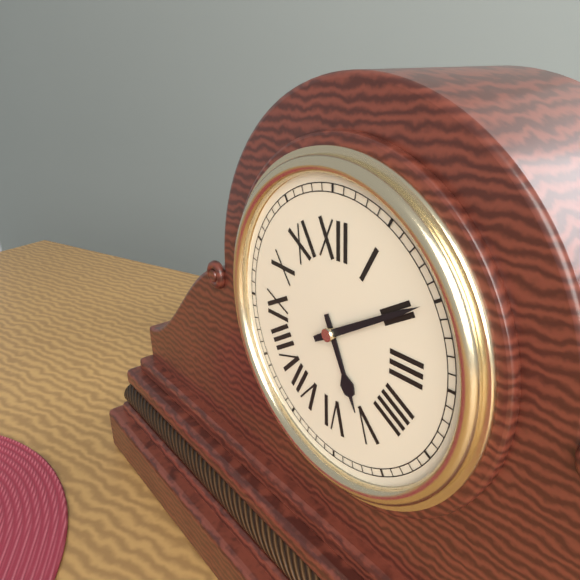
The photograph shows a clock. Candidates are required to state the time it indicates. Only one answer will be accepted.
5:10
